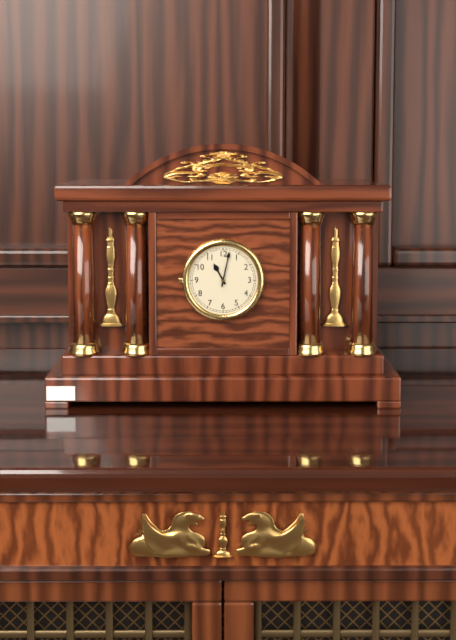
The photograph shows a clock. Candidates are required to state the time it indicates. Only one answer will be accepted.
11:02
